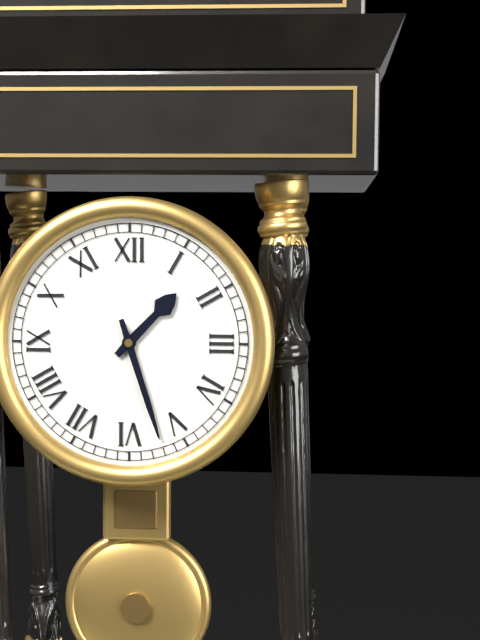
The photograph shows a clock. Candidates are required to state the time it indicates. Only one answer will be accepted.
1:27
